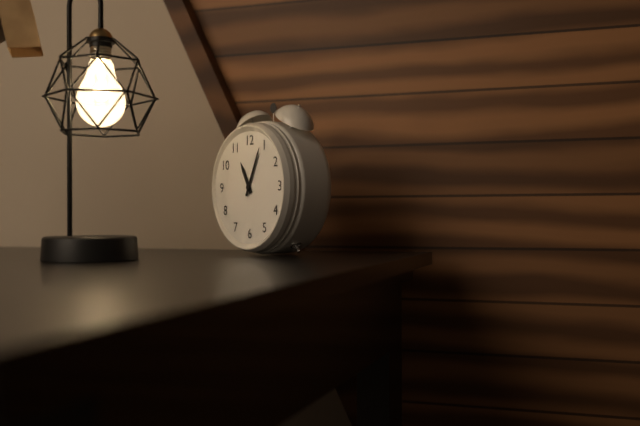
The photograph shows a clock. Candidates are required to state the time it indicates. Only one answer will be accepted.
11:04
